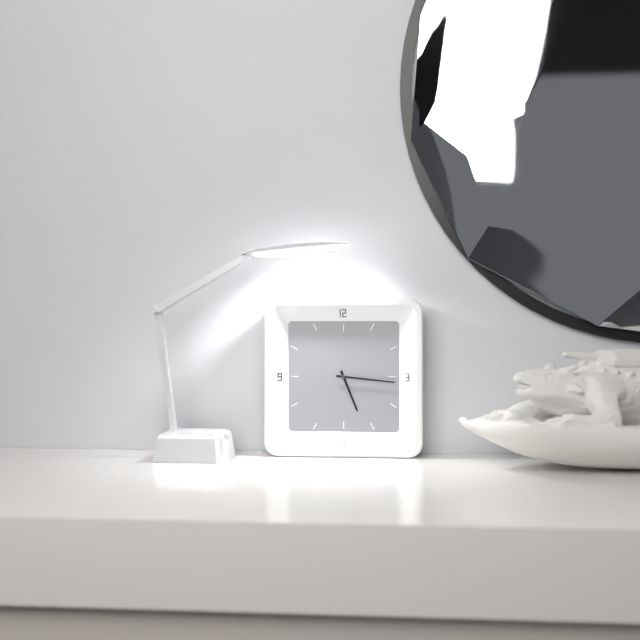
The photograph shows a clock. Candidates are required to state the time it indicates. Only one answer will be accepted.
5:16
